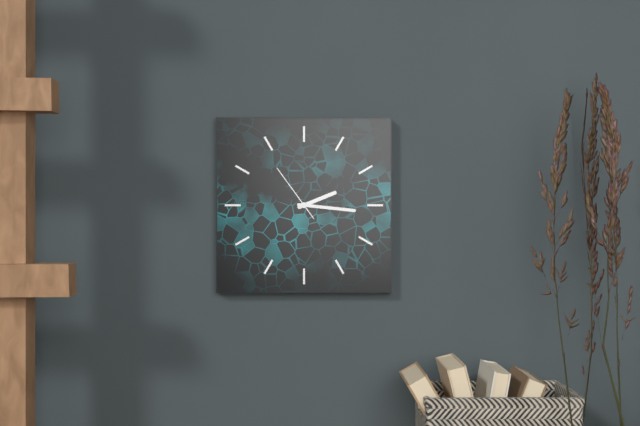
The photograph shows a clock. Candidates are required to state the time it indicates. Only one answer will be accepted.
2:16:54
